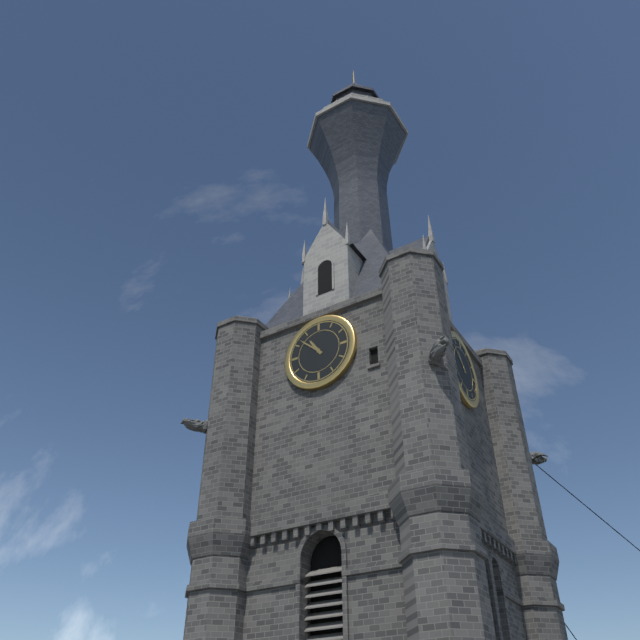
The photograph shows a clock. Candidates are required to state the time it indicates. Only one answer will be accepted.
10:52
